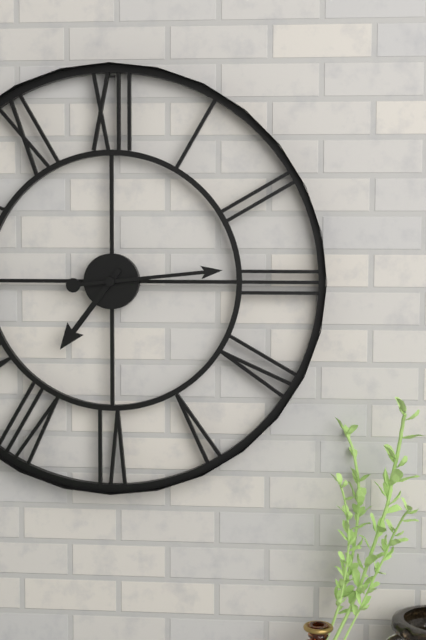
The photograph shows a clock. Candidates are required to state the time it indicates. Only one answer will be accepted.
7:14
